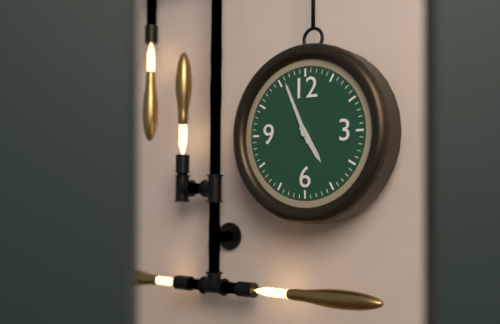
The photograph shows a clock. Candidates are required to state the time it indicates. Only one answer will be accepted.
4:56
